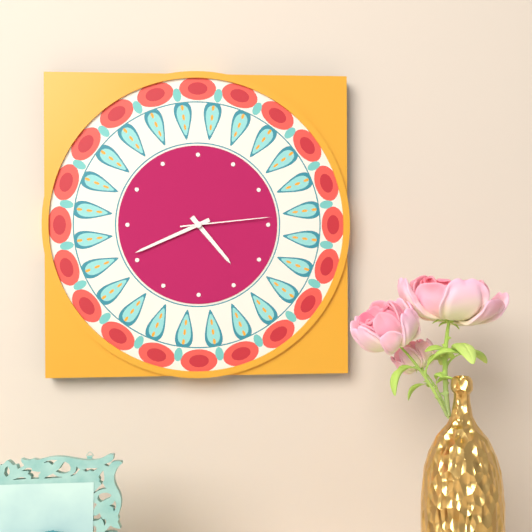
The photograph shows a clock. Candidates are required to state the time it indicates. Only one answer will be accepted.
4:41:14
